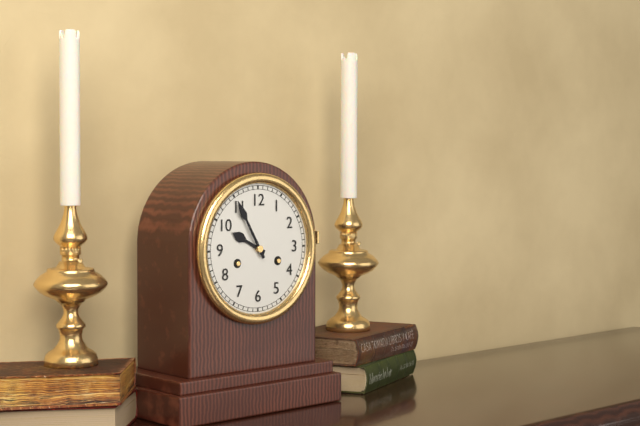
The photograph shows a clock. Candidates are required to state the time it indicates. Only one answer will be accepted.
9:55
